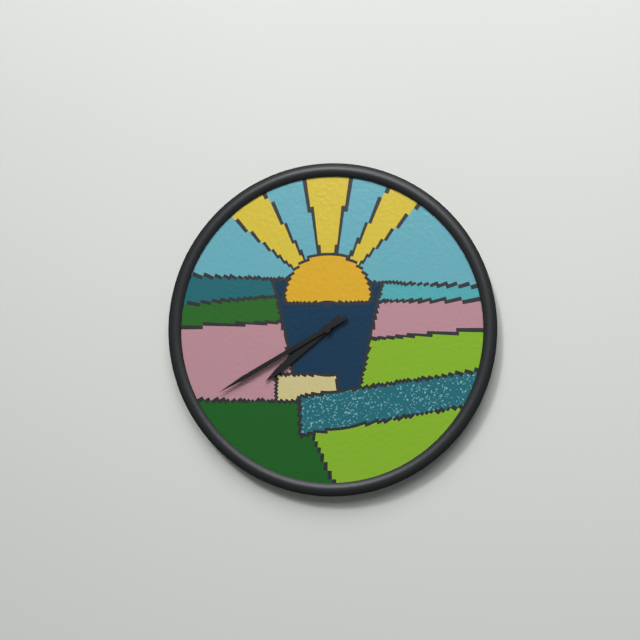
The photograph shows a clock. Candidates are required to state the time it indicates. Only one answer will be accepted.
7:40
